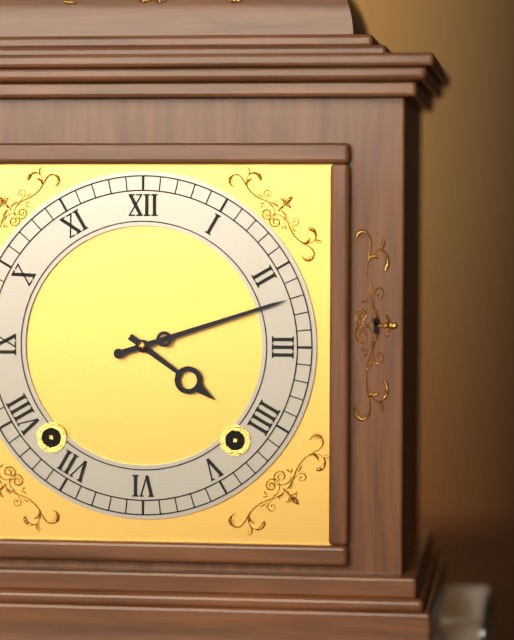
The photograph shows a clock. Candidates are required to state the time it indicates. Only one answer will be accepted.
4:12
